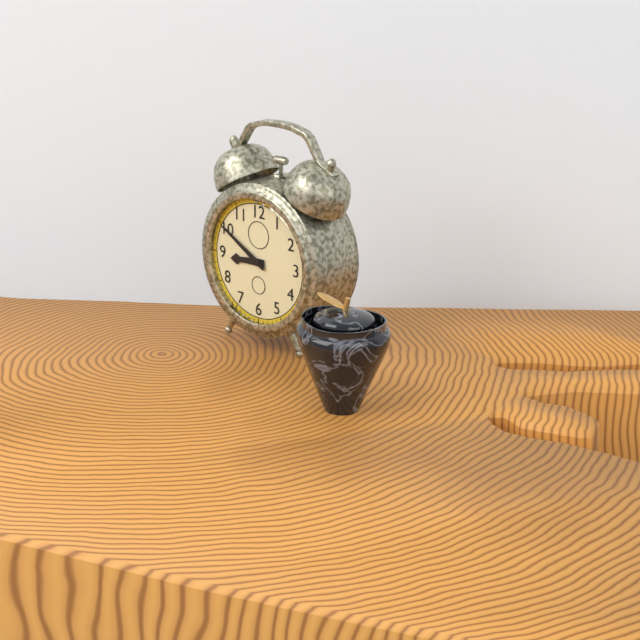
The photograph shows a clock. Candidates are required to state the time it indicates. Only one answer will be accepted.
8:50
